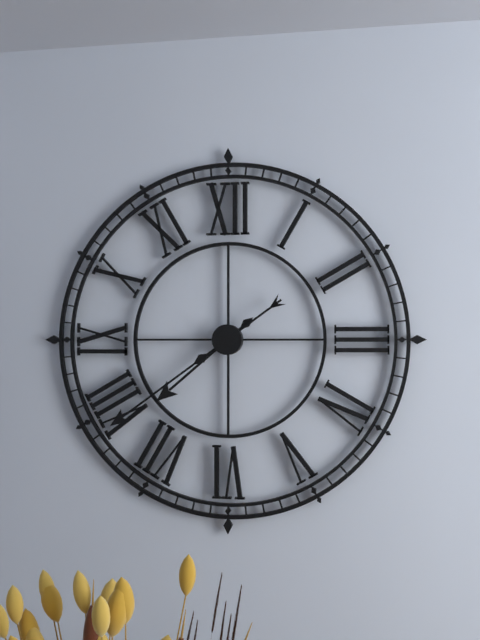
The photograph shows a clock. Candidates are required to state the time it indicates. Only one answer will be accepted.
7:39
